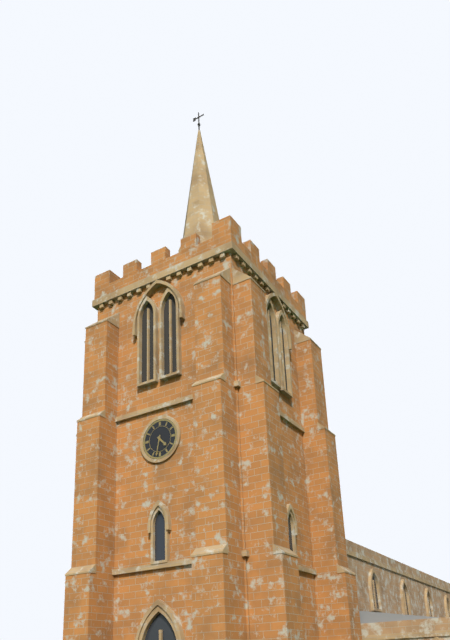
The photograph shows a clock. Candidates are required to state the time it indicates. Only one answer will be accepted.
4:32
